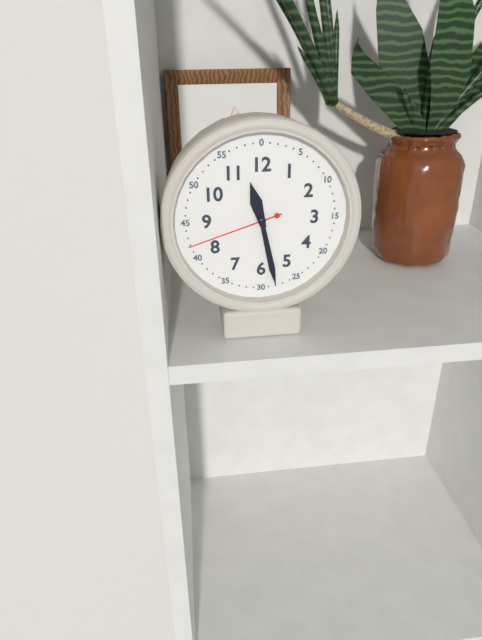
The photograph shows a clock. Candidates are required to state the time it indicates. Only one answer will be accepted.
11:28:42
